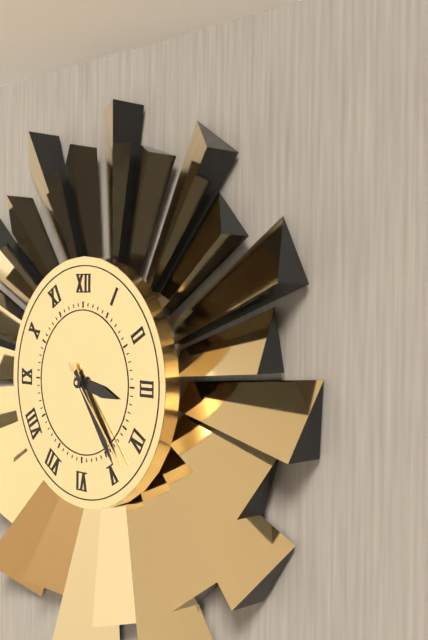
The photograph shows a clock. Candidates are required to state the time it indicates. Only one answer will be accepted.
3:24:23
